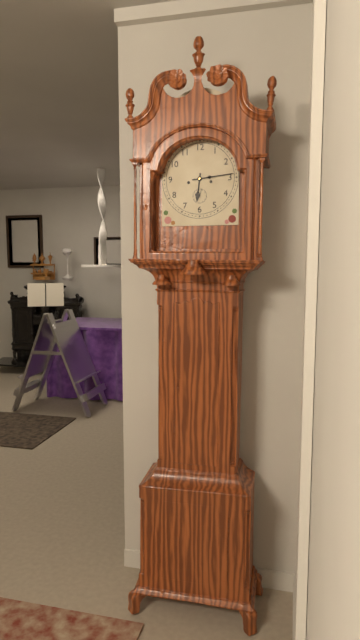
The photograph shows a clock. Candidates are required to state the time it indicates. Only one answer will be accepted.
6:14
